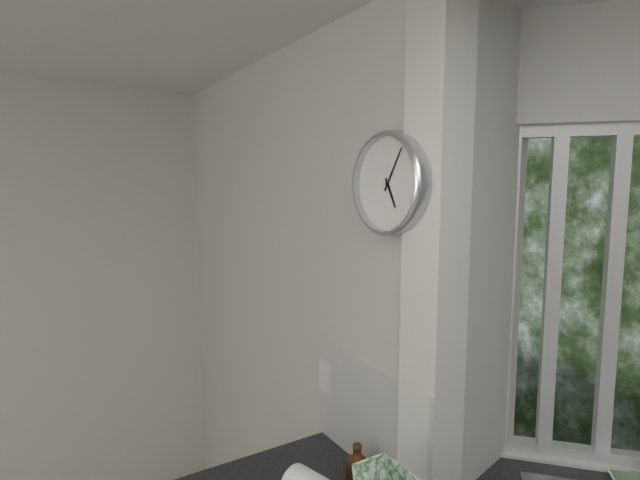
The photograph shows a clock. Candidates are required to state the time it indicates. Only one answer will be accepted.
5:05
